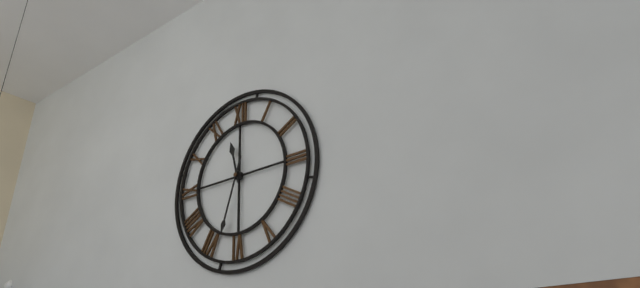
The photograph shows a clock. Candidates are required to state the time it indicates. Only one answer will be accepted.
11:33
